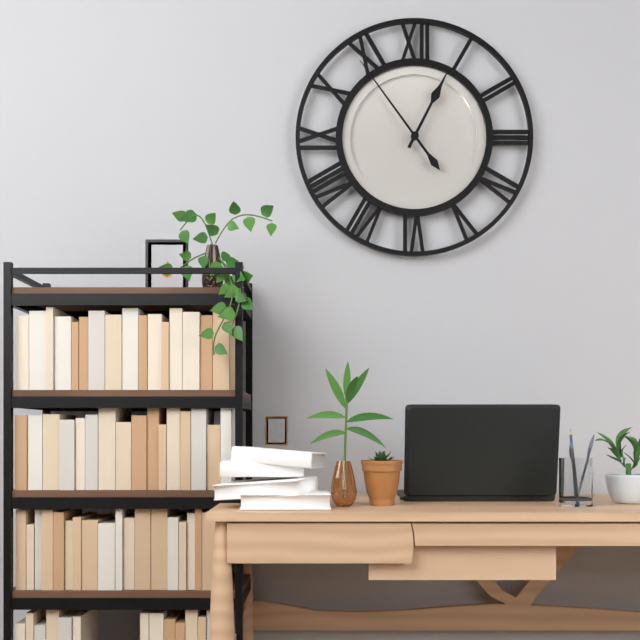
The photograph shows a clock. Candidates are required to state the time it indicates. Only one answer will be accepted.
12:54
